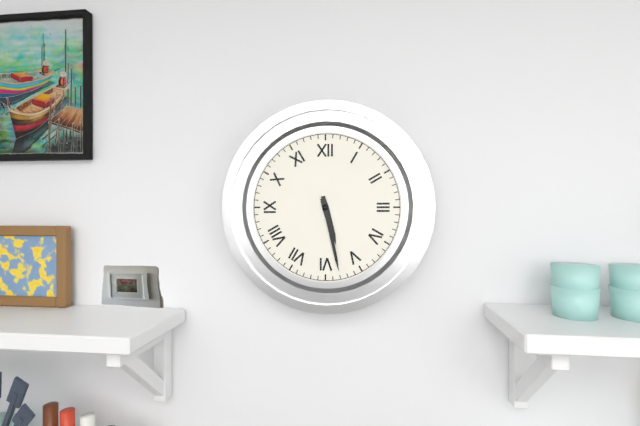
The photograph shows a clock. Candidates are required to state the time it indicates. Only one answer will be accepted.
5:28
